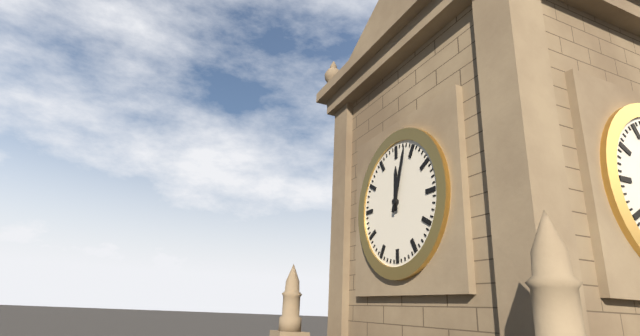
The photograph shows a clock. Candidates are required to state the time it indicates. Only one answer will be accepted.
12:03
